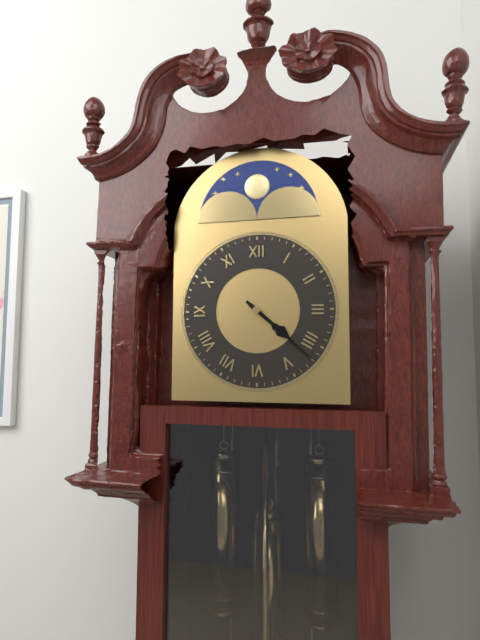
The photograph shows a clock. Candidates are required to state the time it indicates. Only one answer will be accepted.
4:22
